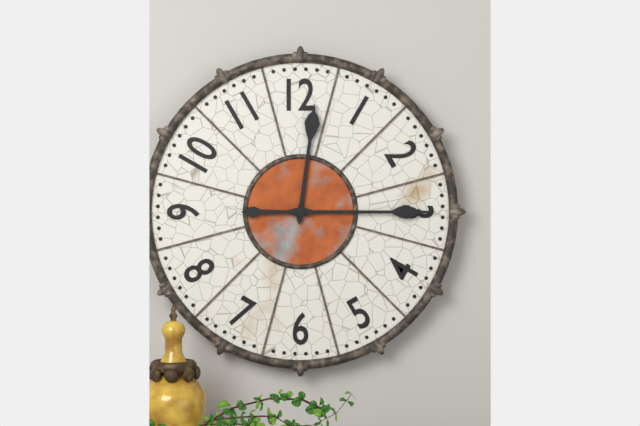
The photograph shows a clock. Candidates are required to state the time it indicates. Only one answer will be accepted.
12:15
